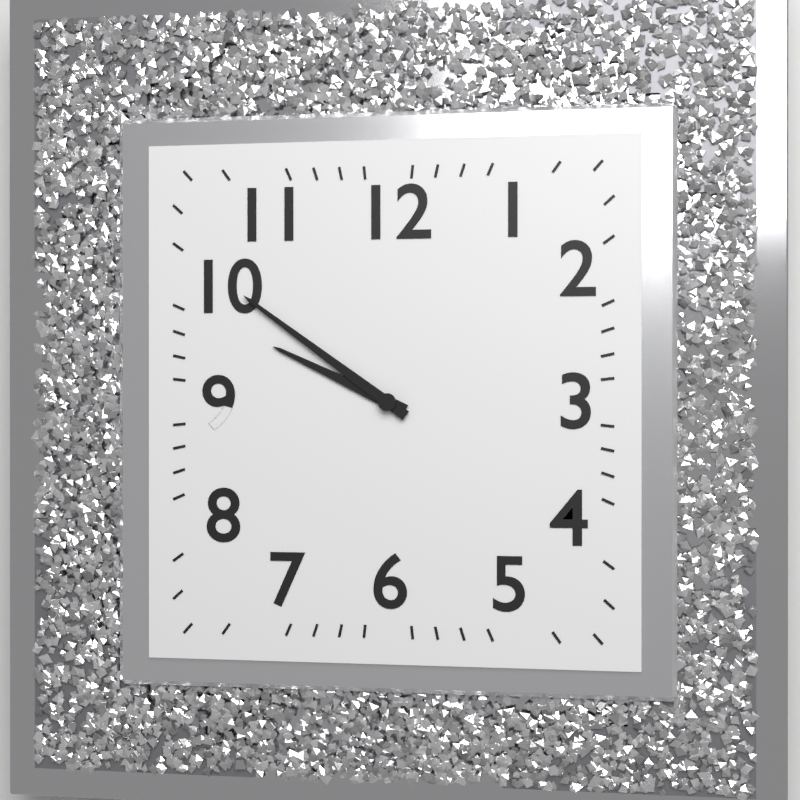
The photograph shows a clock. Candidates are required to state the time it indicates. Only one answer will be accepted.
9:51
